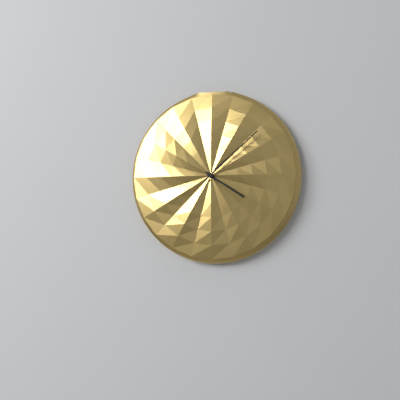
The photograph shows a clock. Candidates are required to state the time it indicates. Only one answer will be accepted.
4:08
